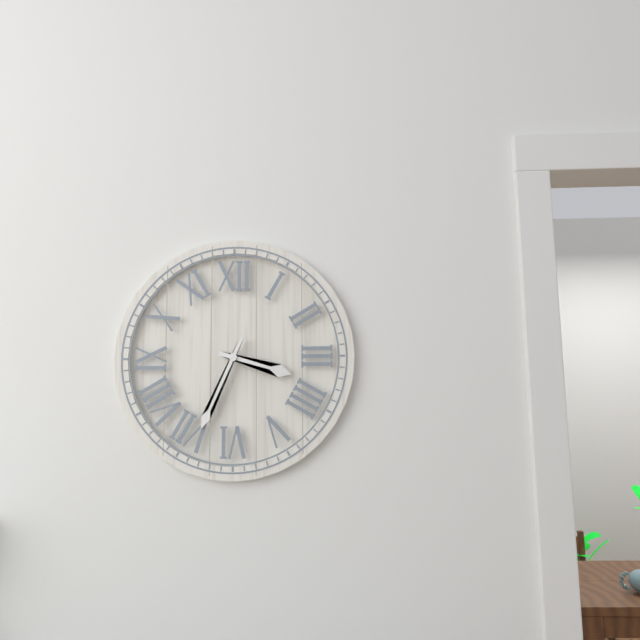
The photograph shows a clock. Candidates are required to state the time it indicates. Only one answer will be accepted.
3:34
